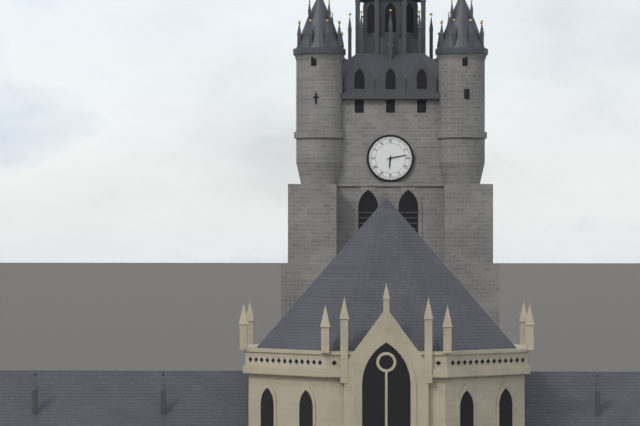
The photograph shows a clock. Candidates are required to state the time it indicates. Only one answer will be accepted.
6:13
